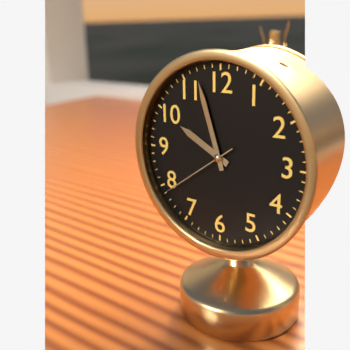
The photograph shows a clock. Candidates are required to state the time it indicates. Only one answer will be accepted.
9:57:39
